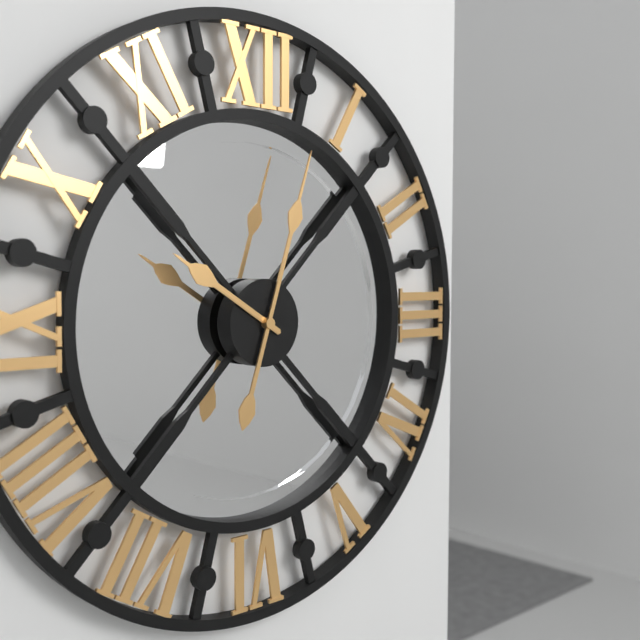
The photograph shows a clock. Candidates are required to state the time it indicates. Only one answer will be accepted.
10:03
